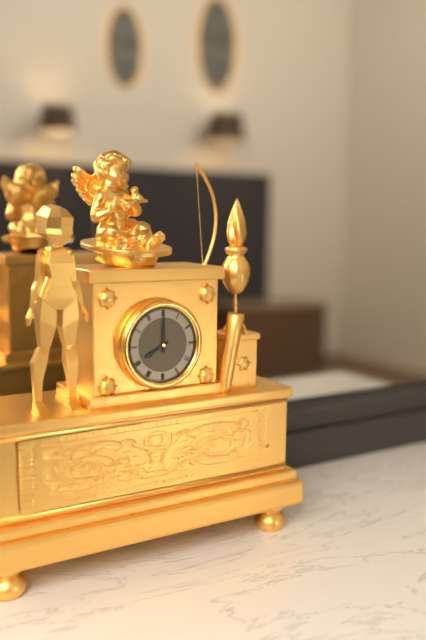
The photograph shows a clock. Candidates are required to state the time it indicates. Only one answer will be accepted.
8:00
